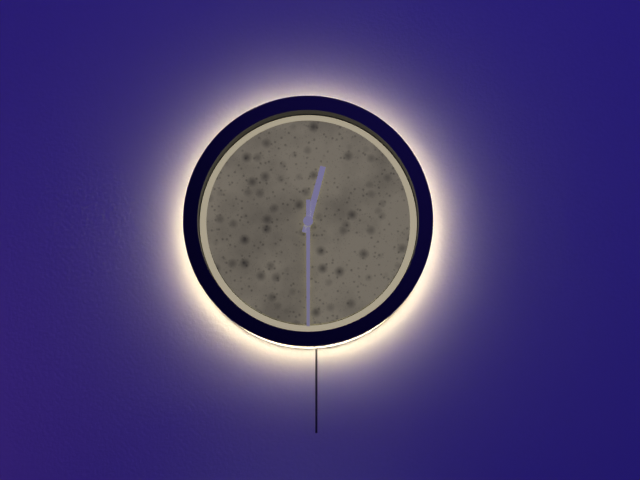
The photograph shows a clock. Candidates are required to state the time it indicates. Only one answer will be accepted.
12:30
